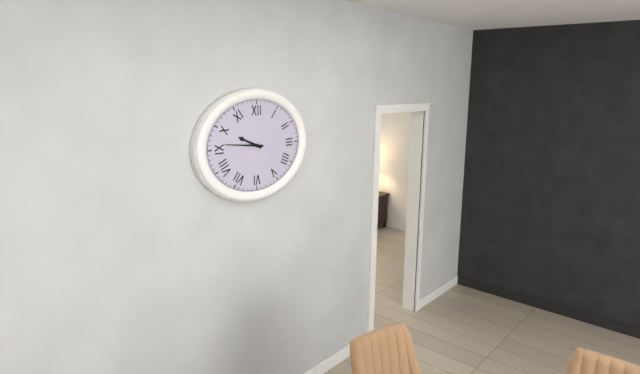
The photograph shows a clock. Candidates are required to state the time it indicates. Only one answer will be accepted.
9:46
